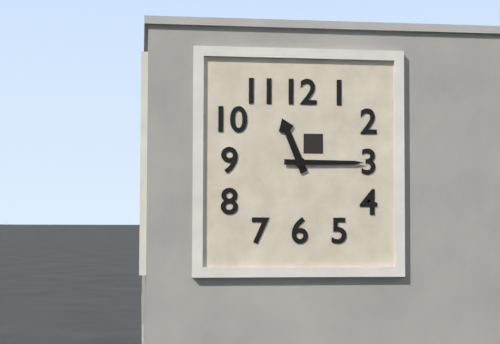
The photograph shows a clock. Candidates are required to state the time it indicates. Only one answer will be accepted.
11:15
